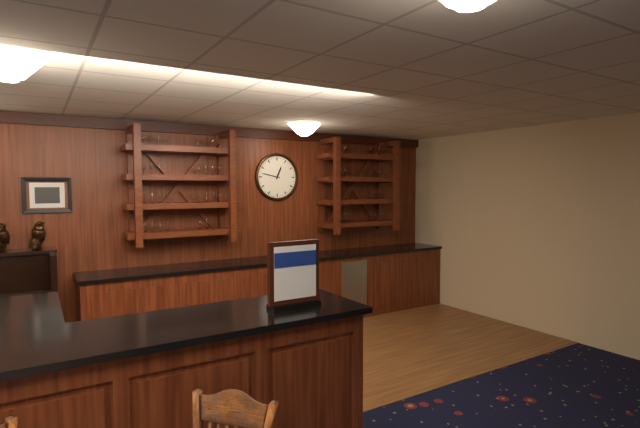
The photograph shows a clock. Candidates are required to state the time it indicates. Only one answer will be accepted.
12:47
